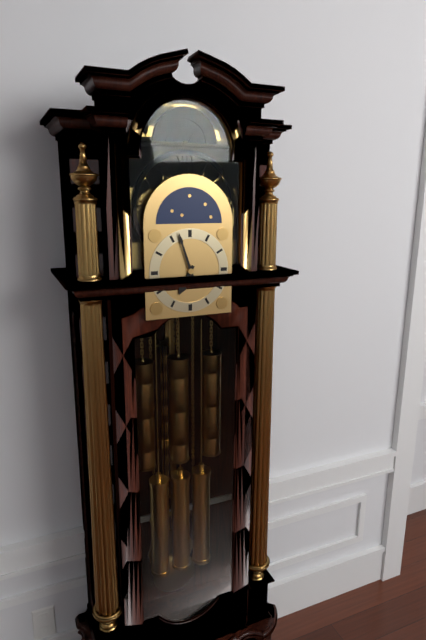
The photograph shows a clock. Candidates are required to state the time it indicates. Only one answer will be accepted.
6:57
